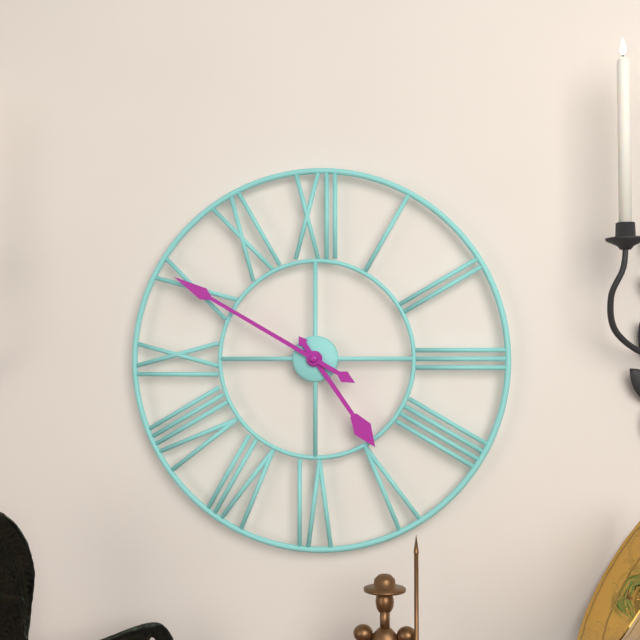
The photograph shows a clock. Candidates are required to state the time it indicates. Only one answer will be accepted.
4:50
